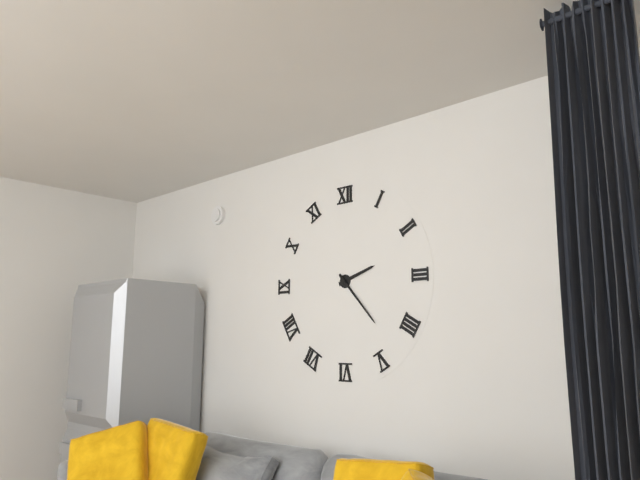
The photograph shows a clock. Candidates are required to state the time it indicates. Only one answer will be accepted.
2:23
